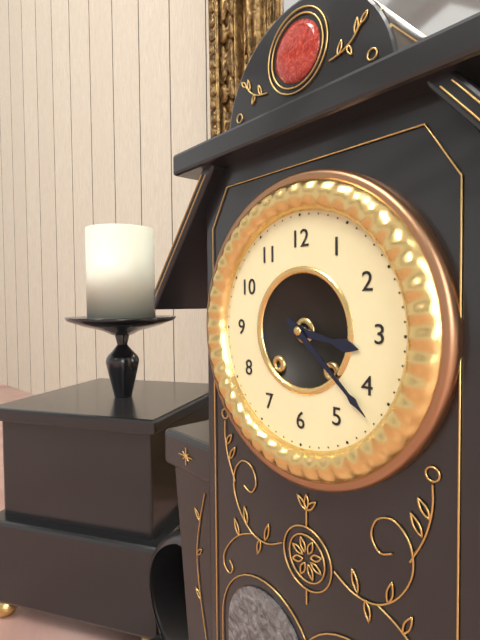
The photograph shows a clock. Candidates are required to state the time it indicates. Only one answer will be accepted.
3:22
